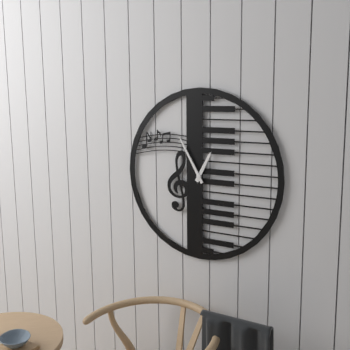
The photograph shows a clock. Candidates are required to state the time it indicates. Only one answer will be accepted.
12:55
